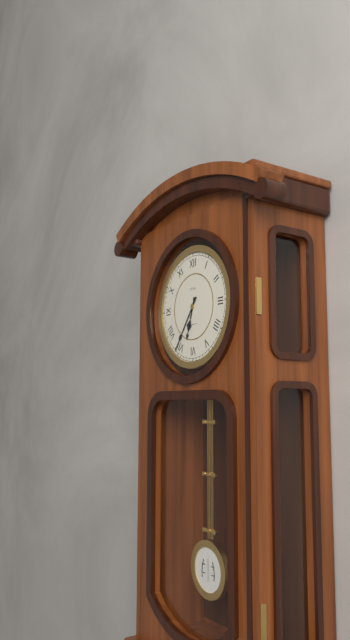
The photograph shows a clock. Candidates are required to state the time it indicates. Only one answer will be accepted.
6:36
